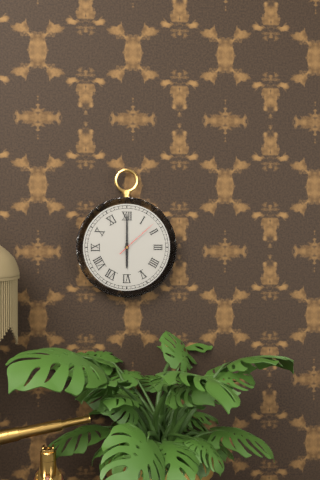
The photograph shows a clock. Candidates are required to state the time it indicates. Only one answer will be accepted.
6:00
